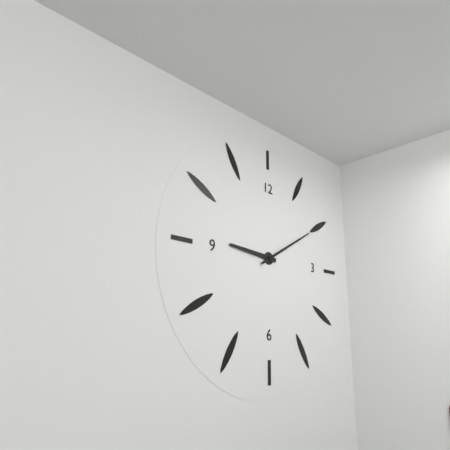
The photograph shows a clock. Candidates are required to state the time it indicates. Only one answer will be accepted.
9:10
